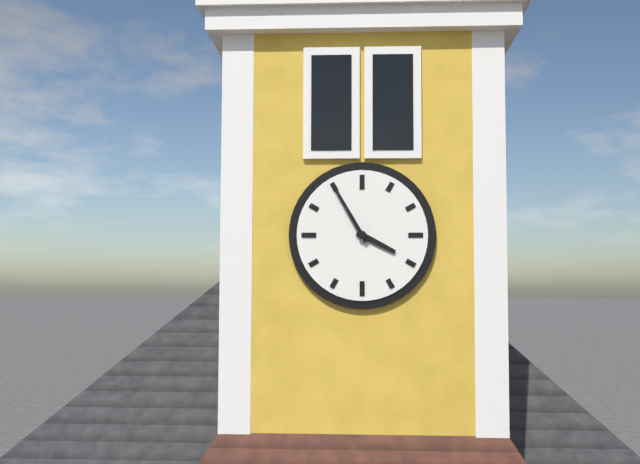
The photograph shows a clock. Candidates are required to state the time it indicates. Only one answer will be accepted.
3:55
